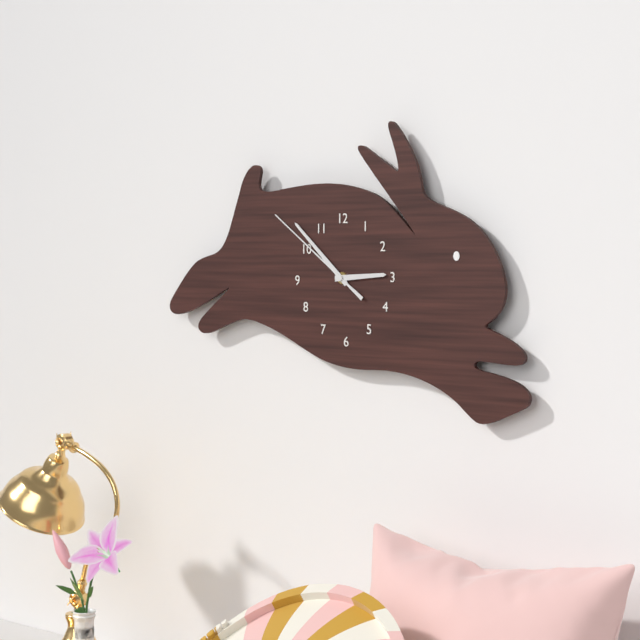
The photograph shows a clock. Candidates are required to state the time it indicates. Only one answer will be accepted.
2:52:51
